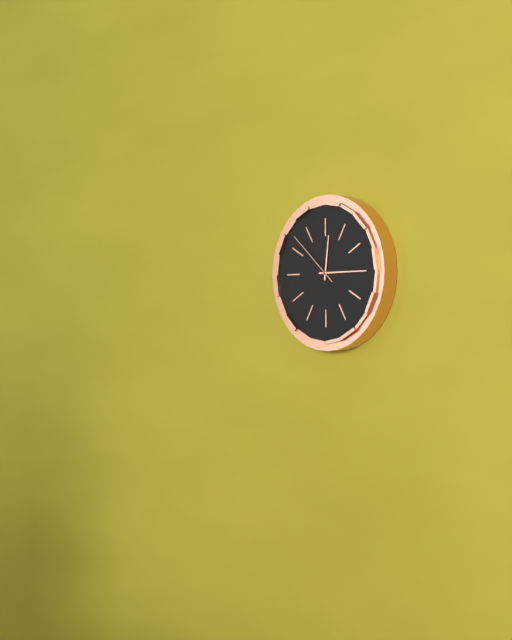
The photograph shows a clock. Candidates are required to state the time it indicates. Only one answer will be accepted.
12:15:52
